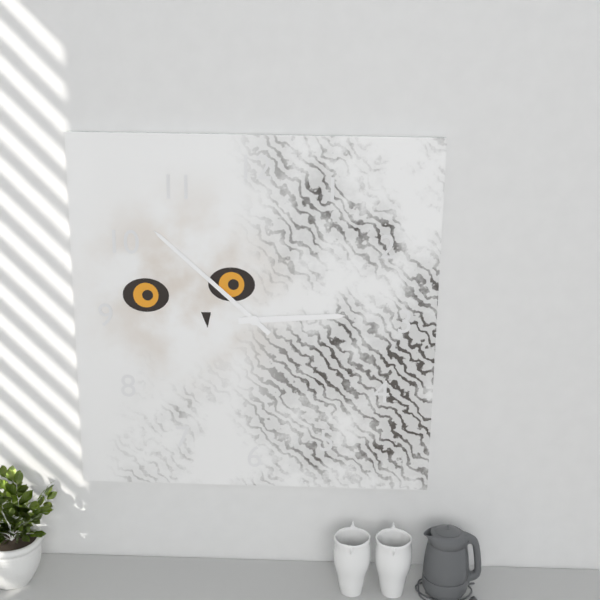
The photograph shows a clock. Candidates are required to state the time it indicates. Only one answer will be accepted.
2:52
